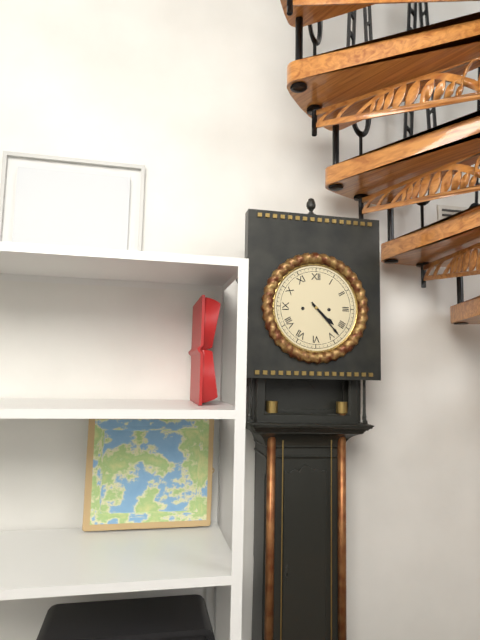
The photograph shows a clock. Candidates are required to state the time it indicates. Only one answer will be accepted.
4:23
